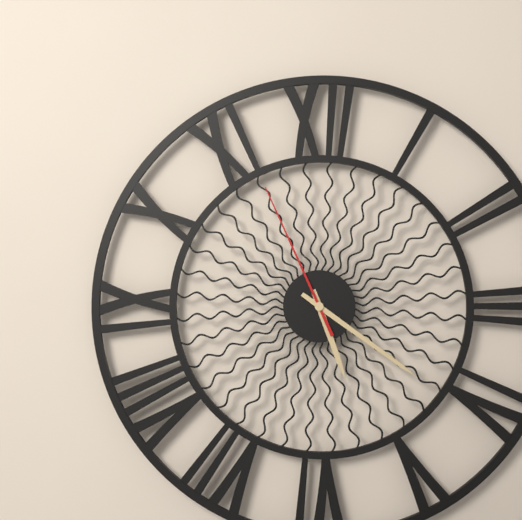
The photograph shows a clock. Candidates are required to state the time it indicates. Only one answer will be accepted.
5:21:56
